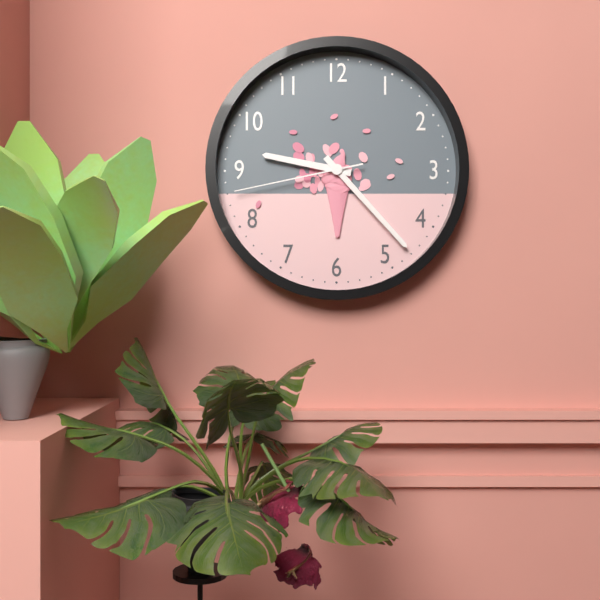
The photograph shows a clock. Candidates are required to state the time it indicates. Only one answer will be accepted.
9:23:43
